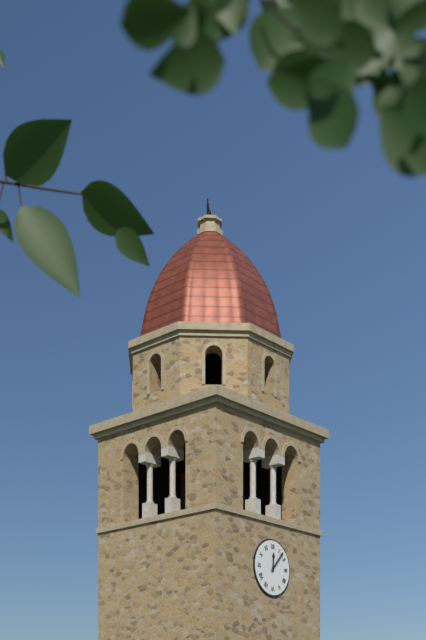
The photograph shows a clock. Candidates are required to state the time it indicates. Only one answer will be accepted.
12:07
